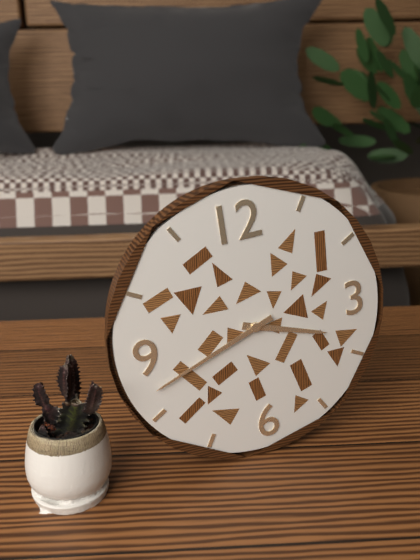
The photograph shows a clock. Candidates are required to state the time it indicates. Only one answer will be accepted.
3:42
